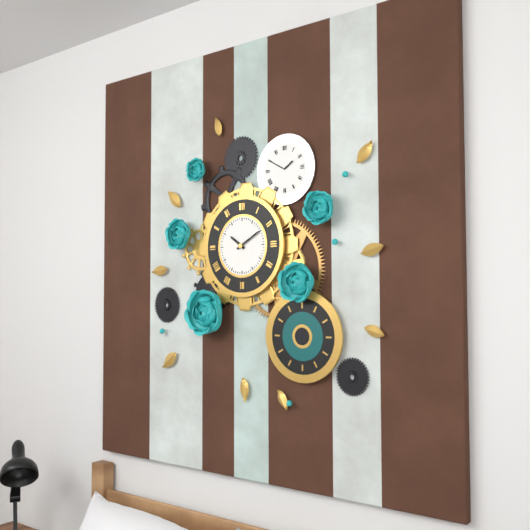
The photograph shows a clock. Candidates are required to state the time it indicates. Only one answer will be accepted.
10:10
